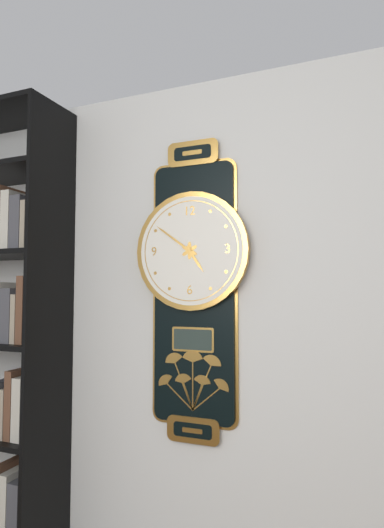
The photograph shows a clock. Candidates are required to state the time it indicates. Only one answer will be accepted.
4:51
